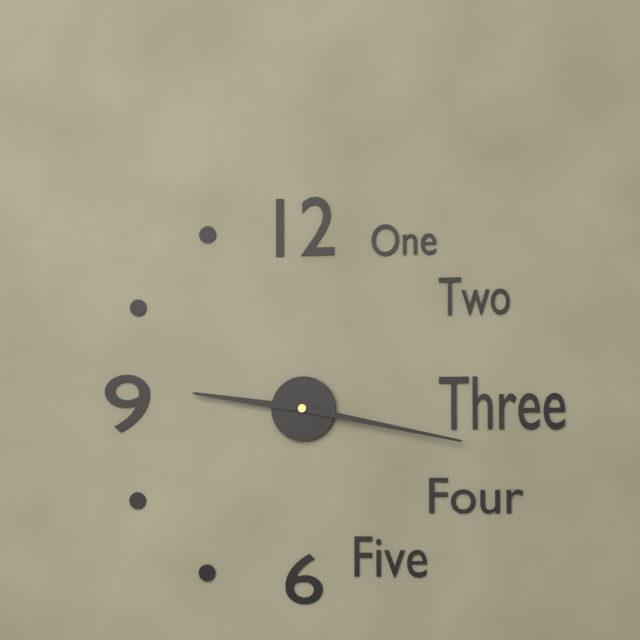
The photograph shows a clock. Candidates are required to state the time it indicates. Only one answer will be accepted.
9:17
